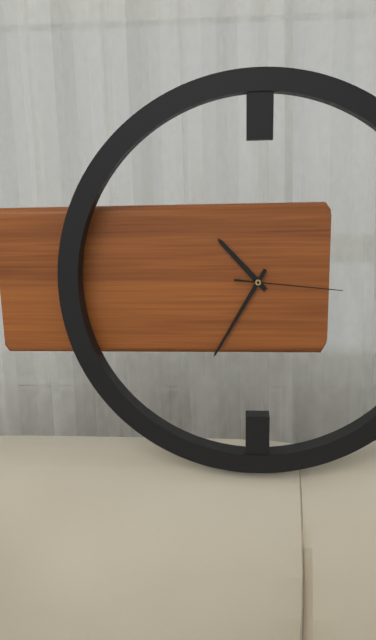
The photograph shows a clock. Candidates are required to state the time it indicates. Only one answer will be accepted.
10:35:16
